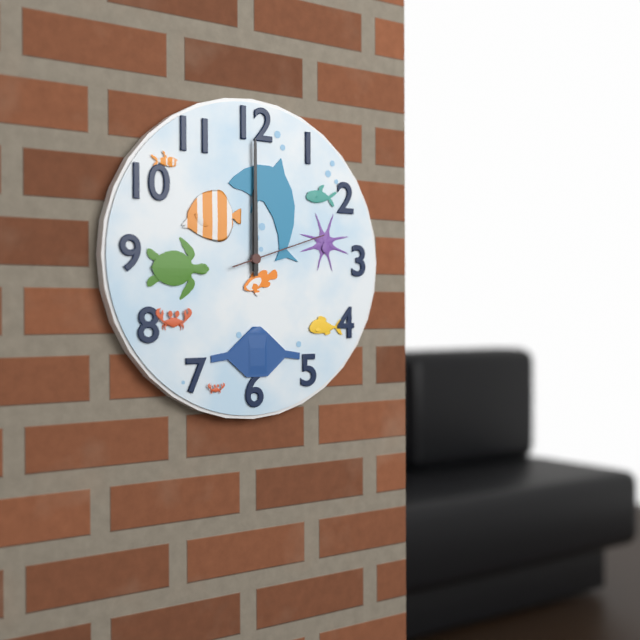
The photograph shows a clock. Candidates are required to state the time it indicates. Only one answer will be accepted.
12:00:12
